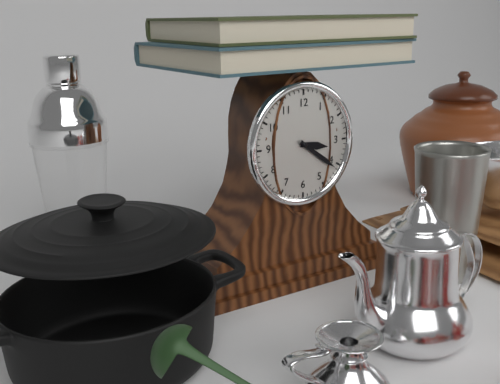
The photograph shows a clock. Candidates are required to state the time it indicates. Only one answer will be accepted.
3:21
